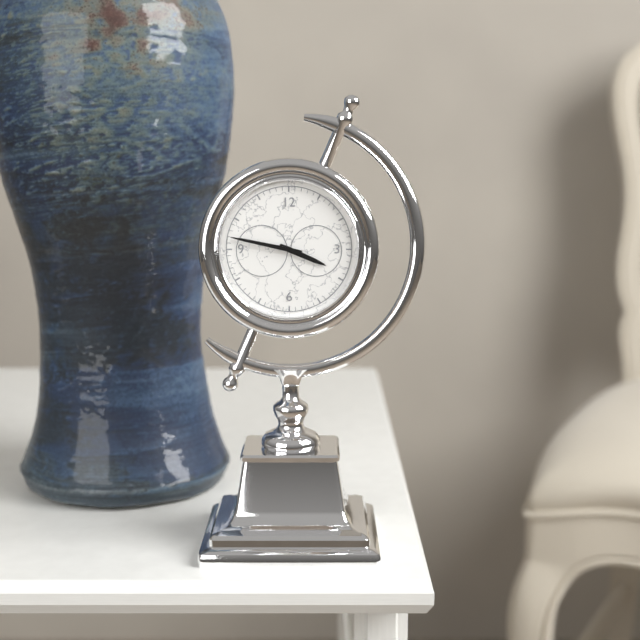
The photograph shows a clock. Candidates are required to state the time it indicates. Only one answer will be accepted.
3:47
